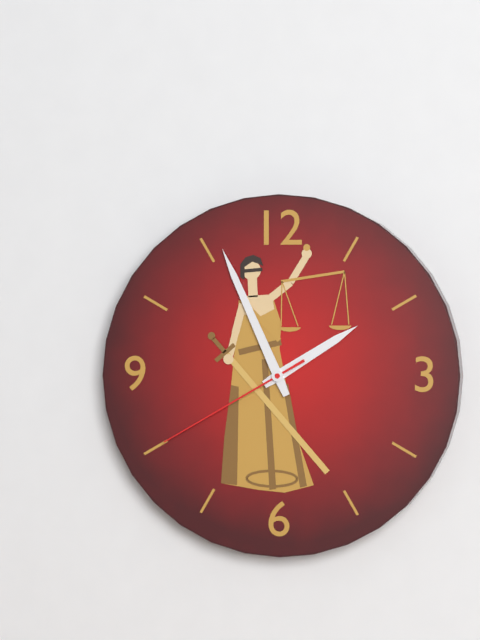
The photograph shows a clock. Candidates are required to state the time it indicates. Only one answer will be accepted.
1:56:40
